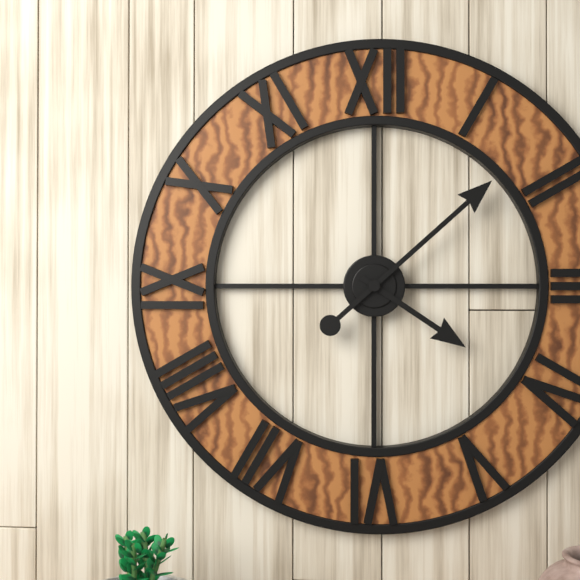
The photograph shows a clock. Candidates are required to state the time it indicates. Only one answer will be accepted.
4:08
